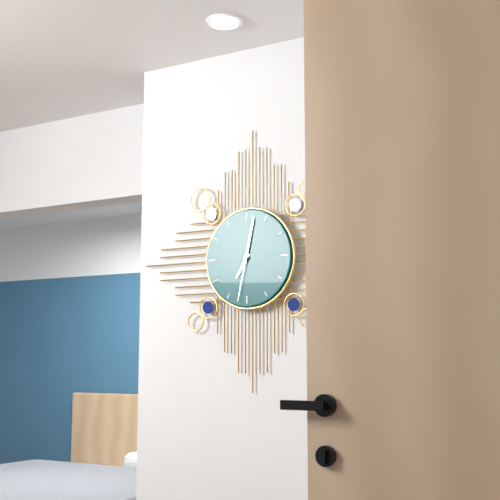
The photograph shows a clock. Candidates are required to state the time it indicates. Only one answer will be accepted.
7:02:32
